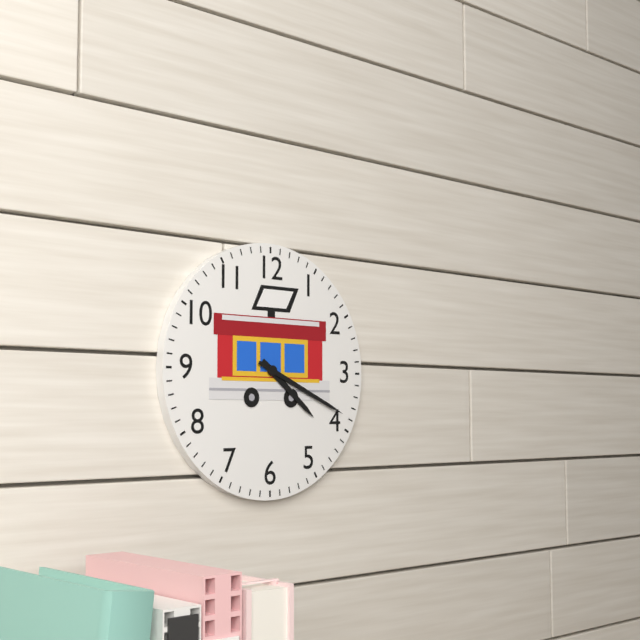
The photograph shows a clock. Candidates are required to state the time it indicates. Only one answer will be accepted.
4:19
